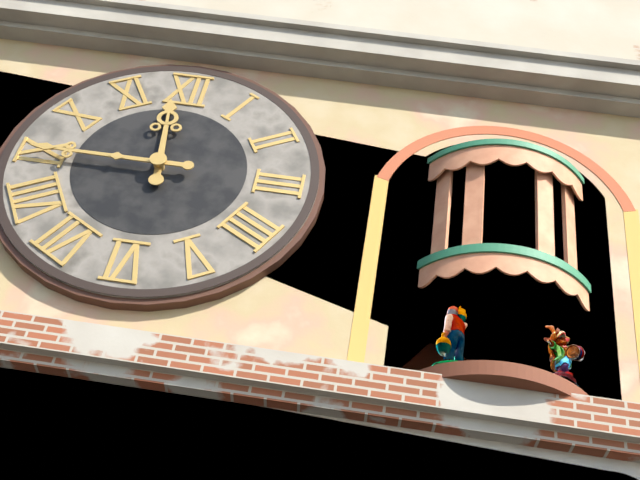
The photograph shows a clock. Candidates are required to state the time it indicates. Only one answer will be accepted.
11:45
